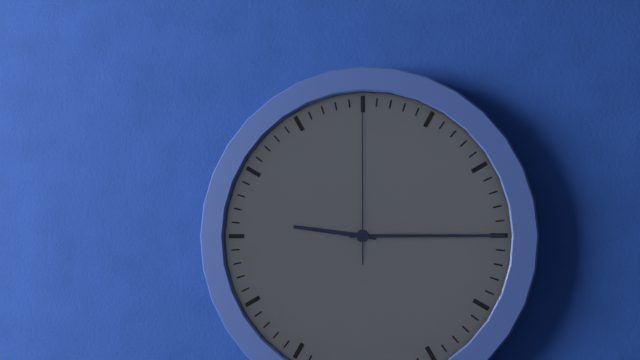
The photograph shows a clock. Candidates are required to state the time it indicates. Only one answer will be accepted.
9:15:00
